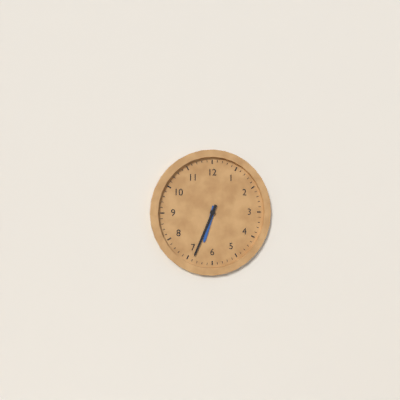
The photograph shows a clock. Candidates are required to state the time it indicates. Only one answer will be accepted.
6:34
